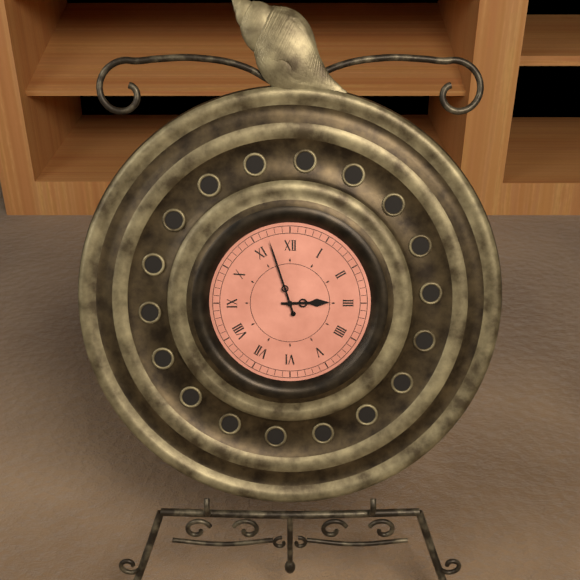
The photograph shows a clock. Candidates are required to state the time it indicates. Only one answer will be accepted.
2:57
